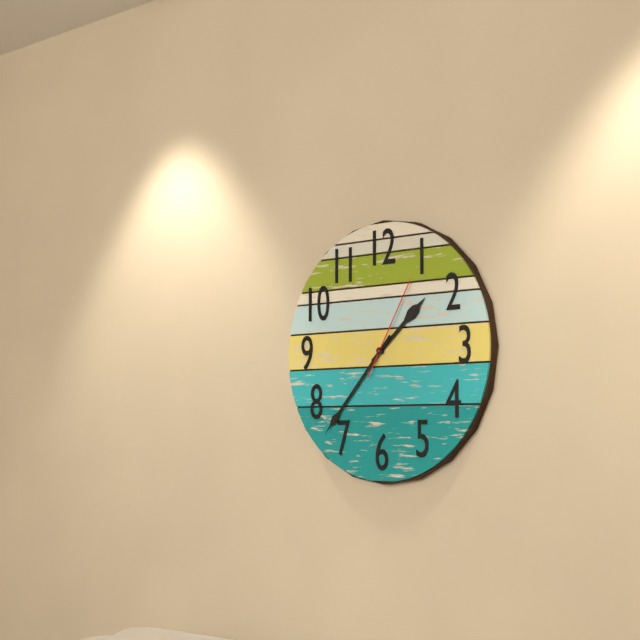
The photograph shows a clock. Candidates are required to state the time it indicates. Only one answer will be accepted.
1:37:05
